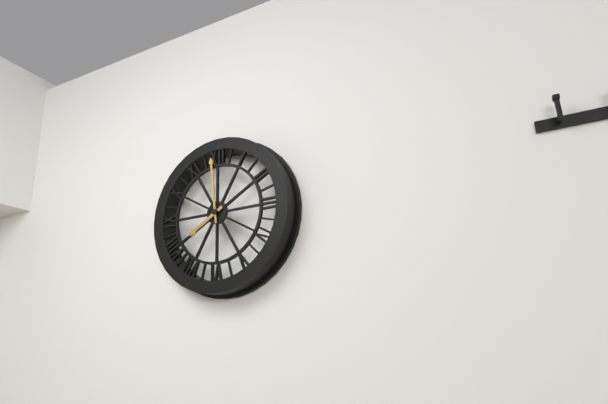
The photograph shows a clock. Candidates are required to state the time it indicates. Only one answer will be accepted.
7:59
